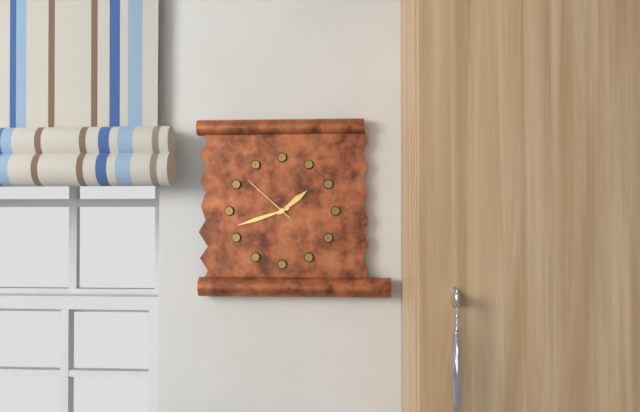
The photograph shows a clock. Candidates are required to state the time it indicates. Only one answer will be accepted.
1:42:52
